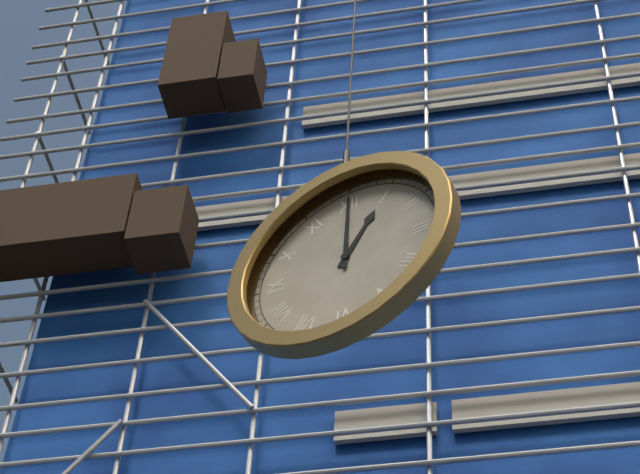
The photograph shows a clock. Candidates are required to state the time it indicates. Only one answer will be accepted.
1:00
